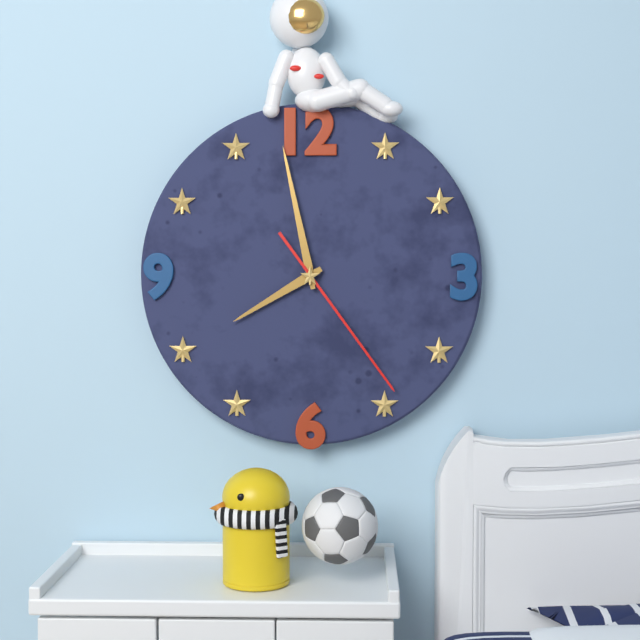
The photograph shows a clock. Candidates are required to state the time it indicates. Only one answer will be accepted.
7:58:24
